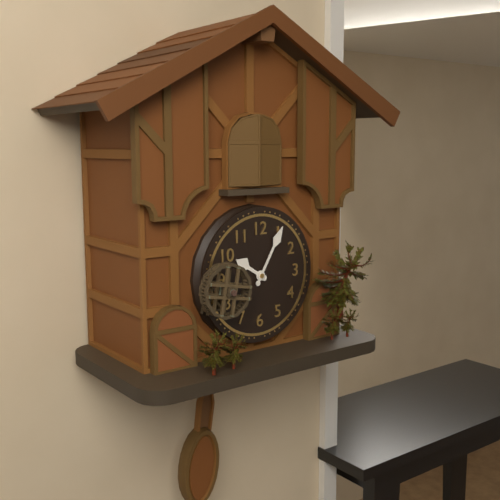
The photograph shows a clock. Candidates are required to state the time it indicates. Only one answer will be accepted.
10:05
